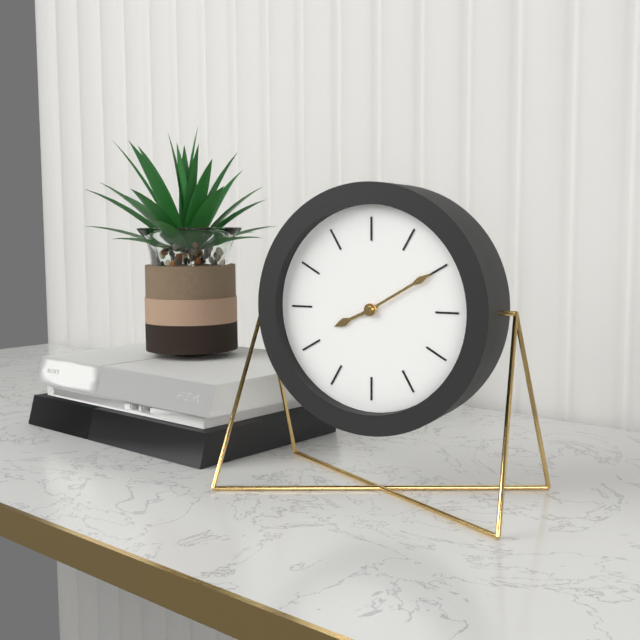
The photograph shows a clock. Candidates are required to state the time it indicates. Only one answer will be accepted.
8:10
